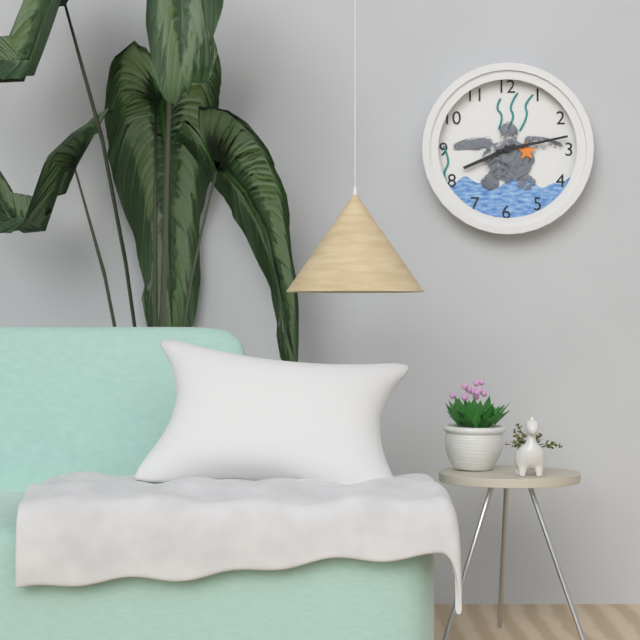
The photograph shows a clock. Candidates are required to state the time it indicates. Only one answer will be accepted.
8:13
